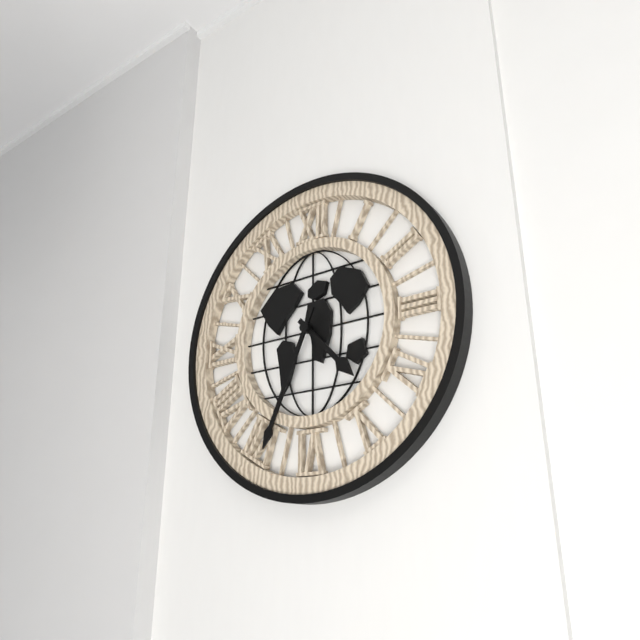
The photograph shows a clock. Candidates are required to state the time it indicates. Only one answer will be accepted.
4:34
